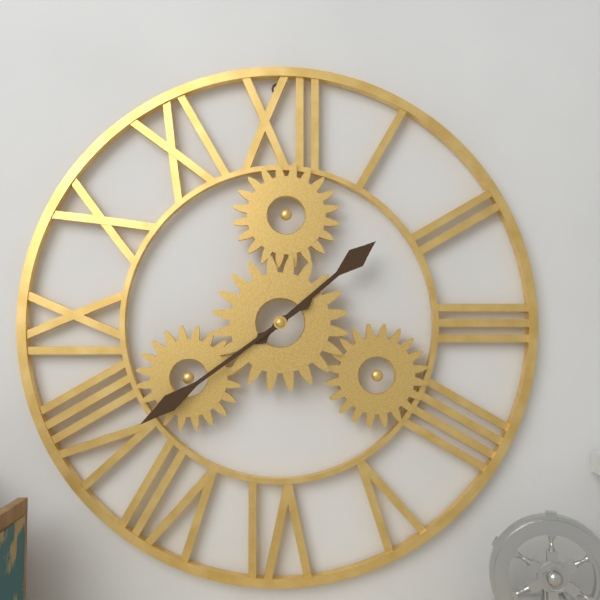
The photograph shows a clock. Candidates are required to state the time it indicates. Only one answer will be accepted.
1:39
